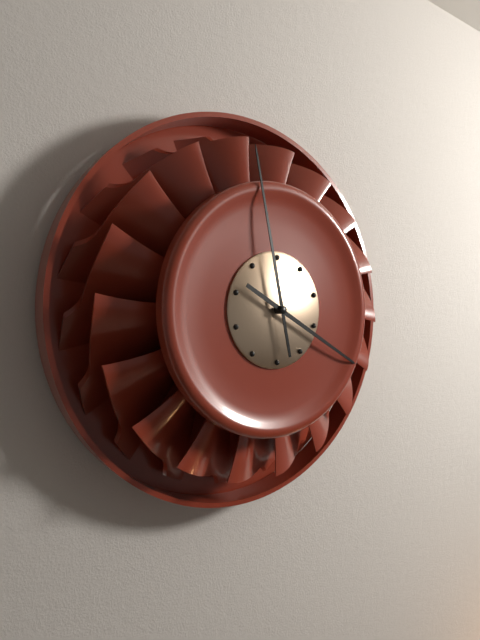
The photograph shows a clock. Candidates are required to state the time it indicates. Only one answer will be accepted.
3:58
